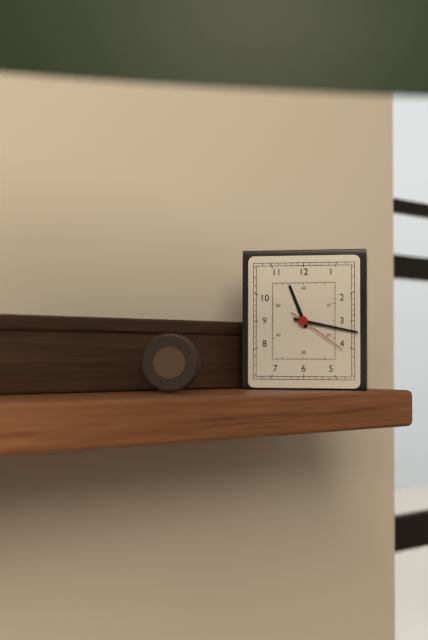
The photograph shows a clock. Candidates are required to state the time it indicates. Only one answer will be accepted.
11:17:21
